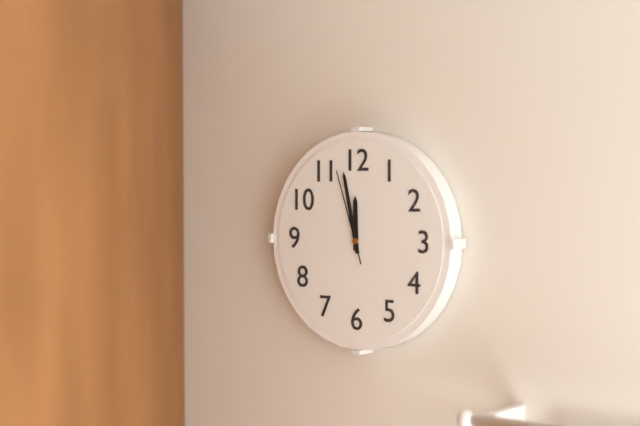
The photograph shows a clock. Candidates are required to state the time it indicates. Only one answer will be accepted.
11:58:57
